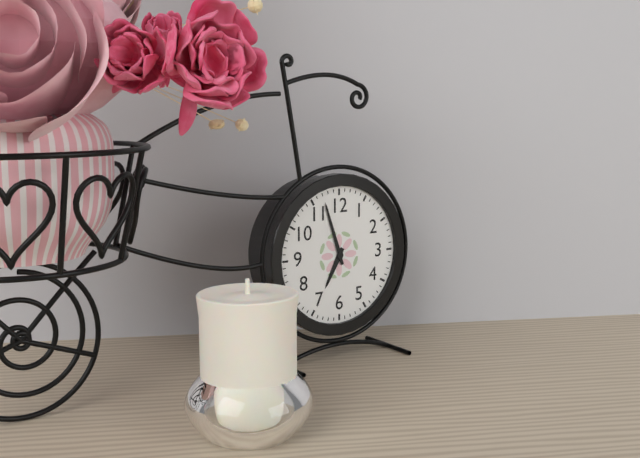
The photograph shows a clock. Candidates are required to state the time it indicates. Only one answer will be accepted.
6:57
